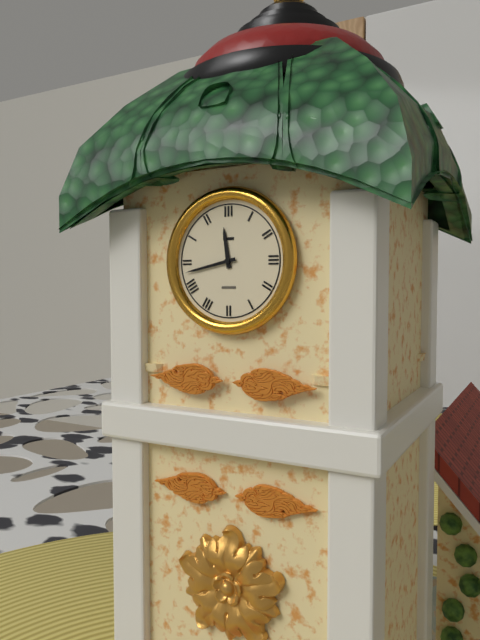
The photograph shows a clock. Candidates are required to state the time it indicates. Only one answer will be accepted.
11:43
